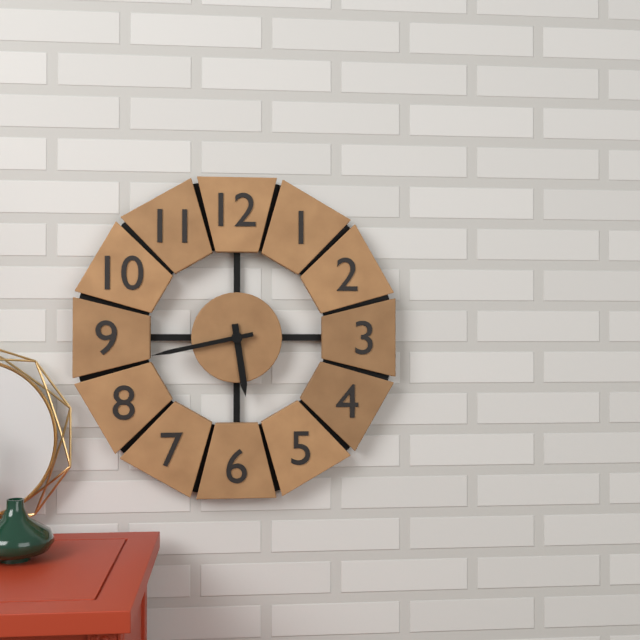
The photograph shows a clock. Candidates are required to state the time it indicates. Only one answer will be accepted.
5:43
